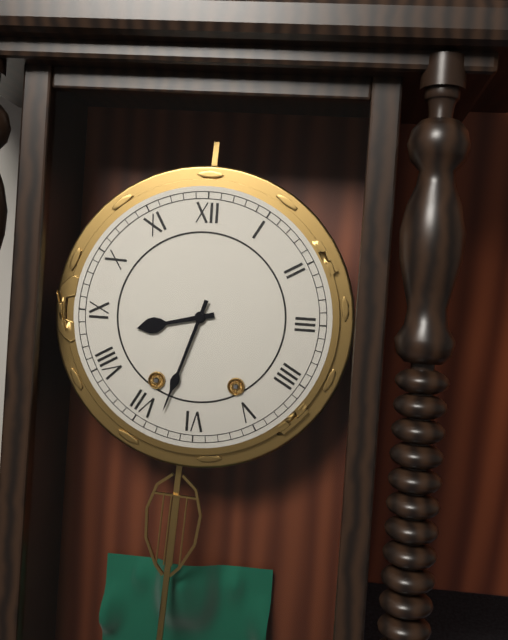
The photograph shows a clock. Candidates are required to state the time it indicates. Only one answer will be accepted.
8:33
